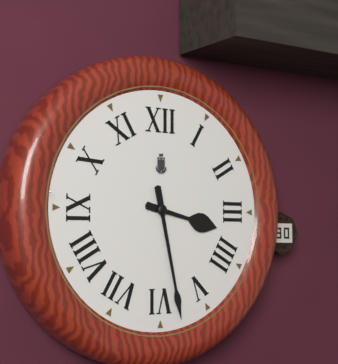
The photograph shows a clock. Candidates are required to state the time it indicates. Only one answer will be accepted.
3:28
